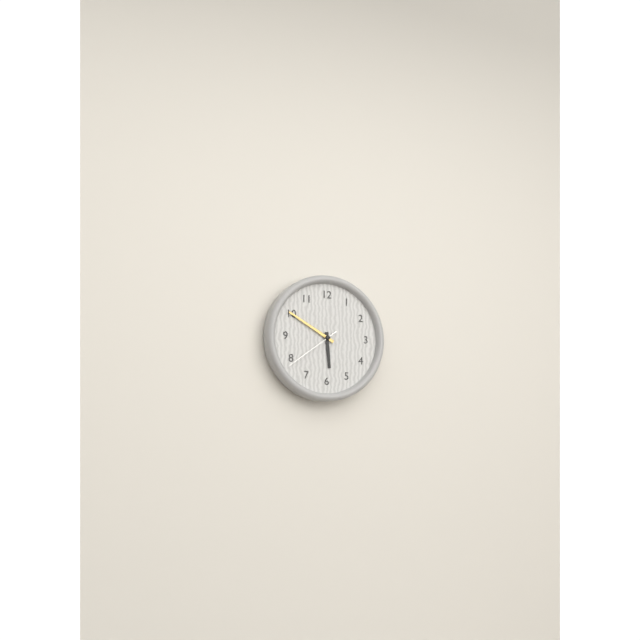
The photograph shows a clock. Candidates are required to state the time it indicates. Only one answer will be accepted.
5:50:39
